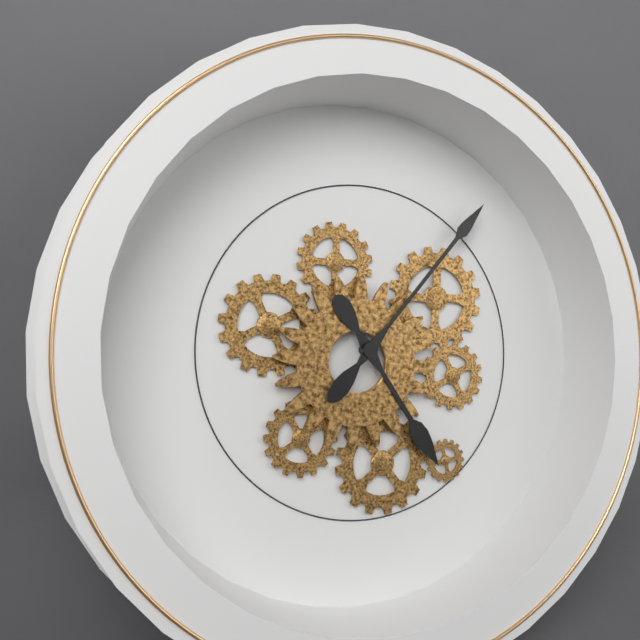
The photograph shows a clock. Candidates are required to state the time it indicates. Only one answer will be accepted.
5:08
